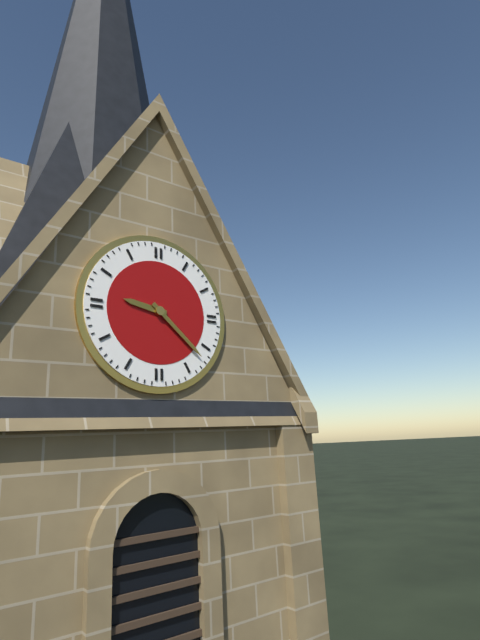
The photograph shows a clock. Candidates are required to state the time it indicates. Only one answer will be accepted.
9:22
